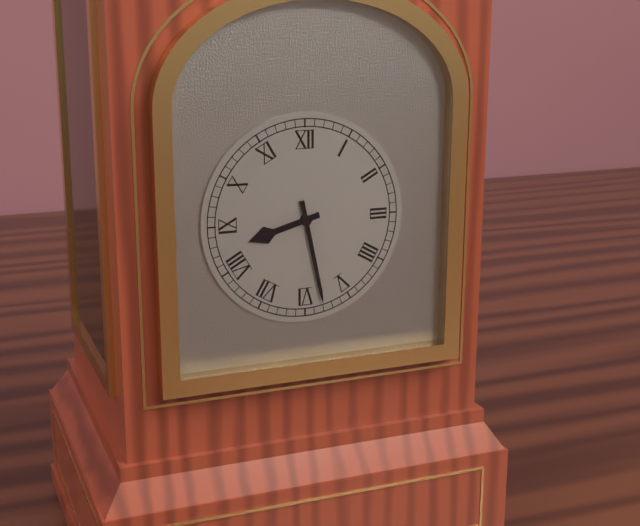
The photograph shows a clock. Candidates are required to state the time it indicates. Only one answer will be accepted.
8:28
